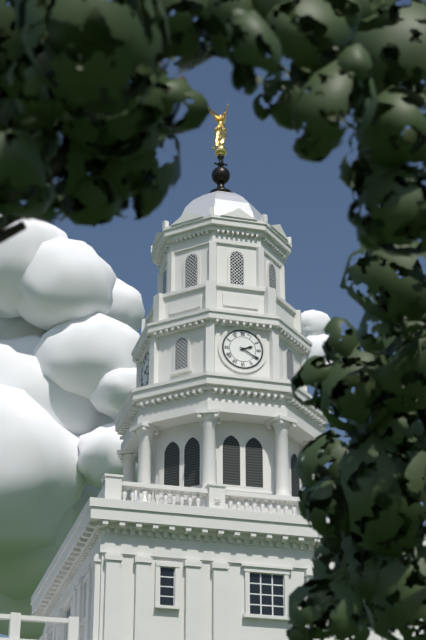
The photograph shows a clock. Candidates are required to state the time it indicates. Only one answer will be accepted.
2:20
